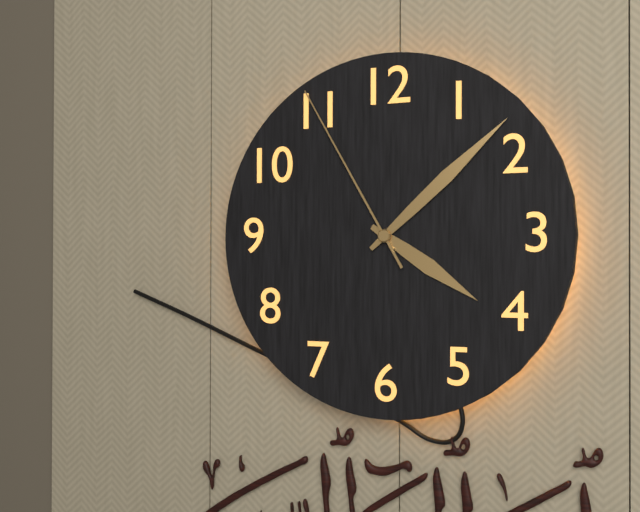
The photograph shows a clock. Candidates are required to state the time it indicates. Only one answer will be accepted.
4:08:55
